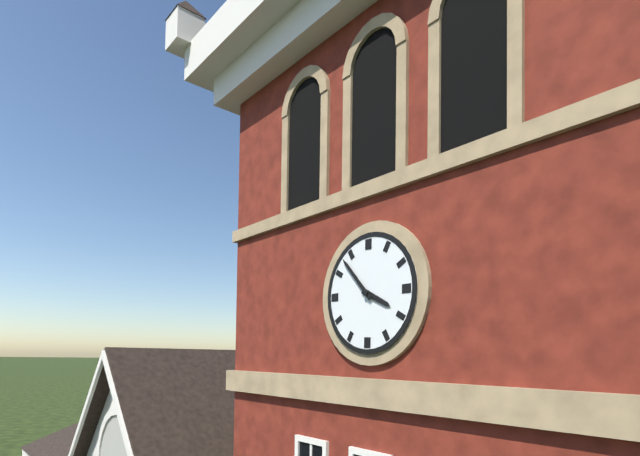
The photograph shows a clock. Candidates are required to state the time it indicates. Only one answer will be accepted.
3:53
